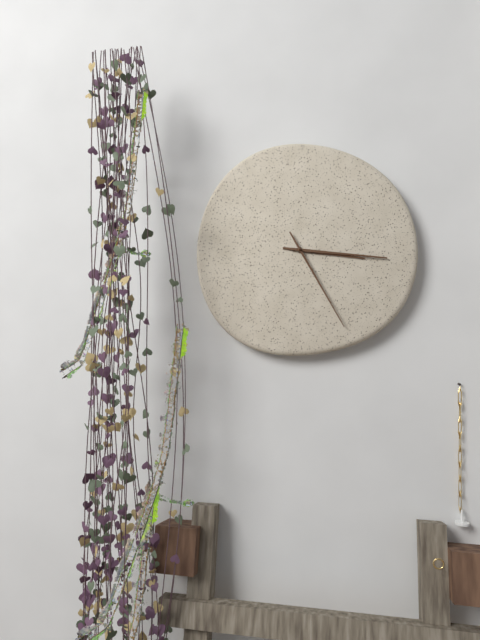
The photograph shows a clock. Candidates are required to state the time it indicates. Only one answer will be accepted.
3:16:25
